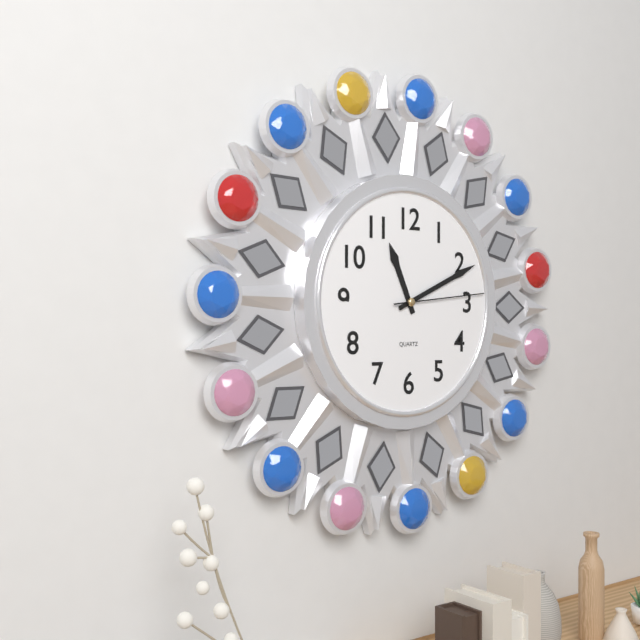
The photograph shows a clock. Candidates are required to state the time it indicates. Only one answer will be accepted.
11:11:14
